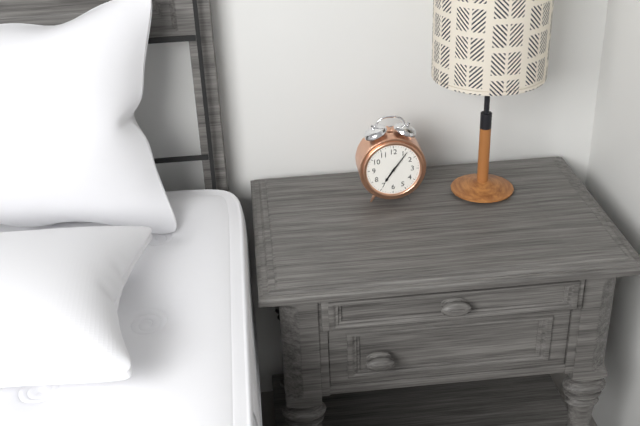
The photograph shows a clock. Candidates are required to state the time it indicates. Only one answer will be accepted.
7:06
